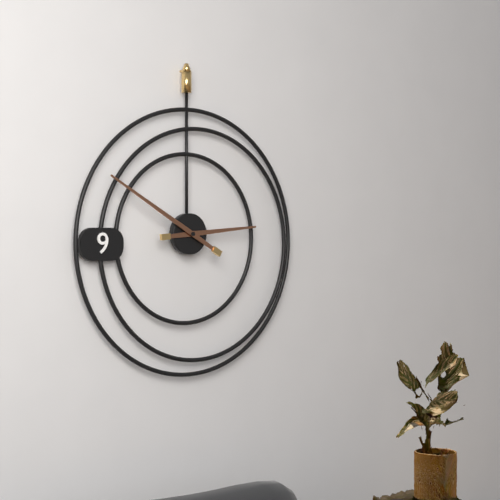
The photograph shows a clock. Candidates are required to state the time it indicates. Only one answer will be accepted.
2:50
